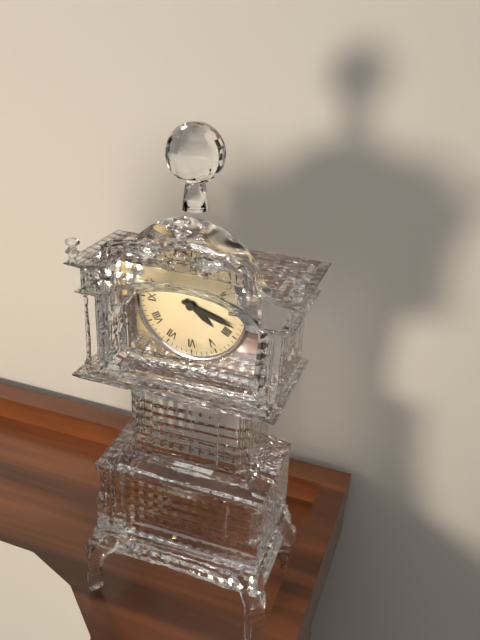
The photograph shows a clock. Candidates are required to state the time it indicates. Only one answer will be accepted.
4:18
